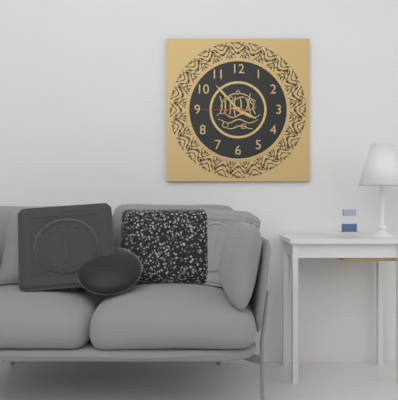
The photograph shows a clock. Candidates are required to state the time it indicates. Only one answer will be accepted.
3:53
